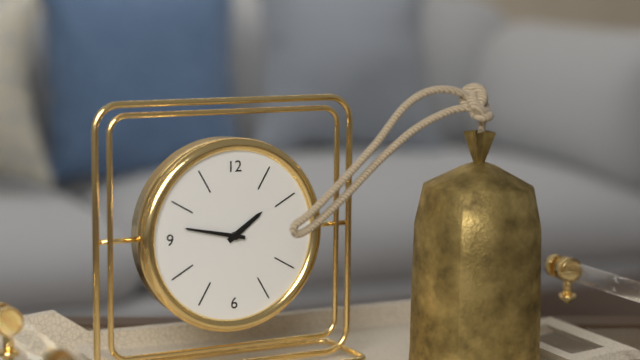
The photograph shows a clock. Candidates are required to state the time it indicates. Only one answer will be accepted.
1:47
